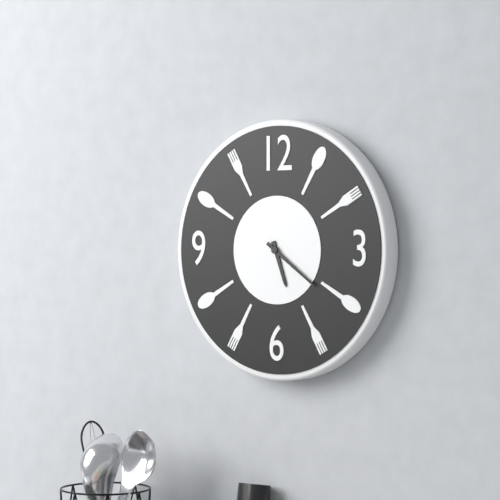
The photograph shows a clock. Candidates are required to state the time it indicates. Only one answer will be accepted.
5:21
